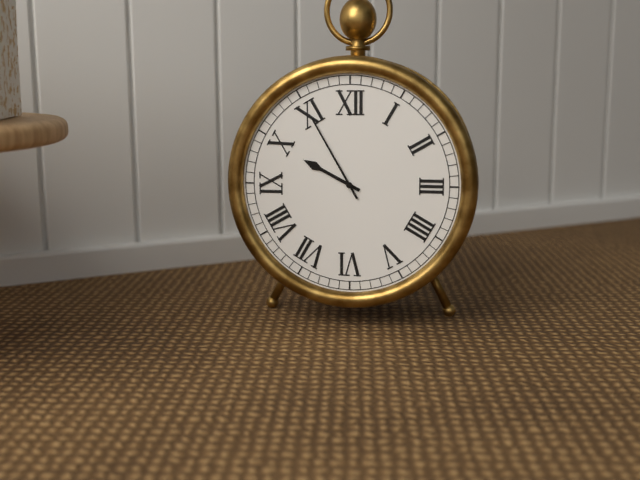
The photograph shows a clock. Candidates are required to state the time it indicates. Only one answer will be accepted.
9:55
